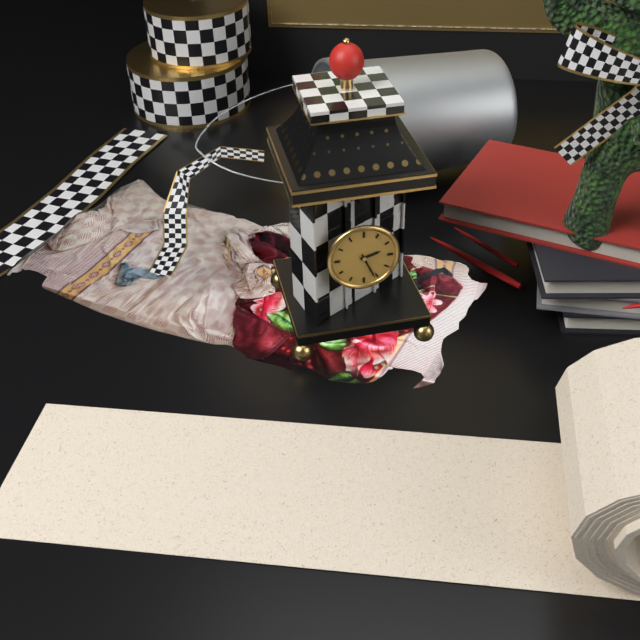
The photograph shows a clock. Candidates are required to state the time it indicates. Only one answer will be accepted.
2:26
